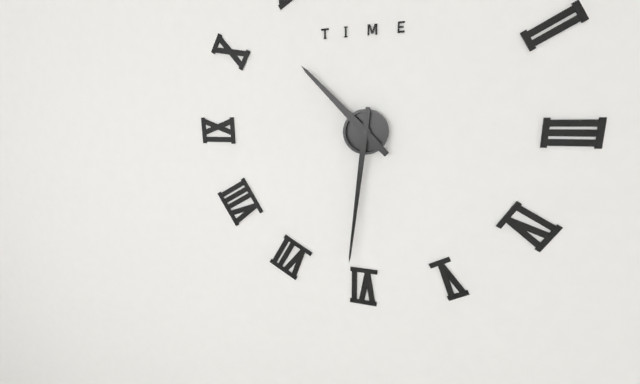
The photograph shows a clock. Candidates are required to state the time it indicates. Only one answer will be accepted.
10:31
